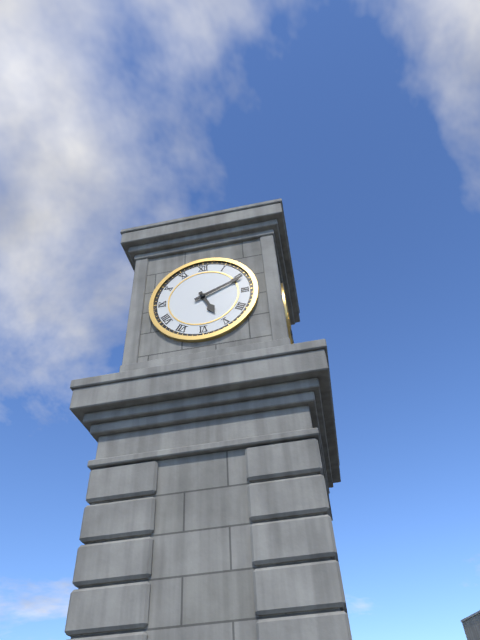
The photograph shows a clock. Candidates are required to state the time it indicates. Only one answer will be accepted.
5:11
